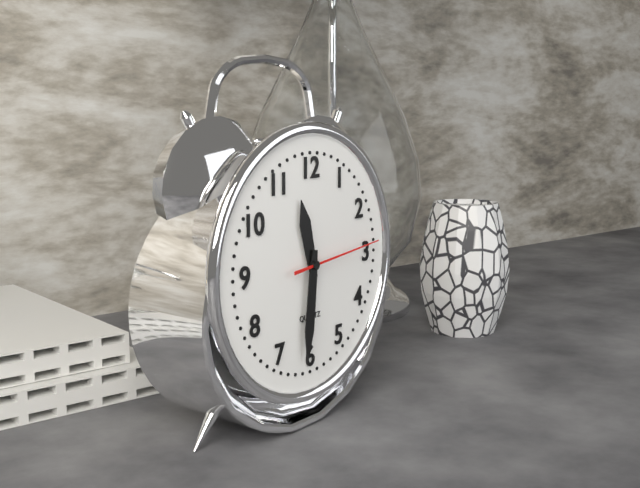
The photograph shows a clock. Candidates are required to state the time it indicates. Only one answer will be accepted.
11:31:14
